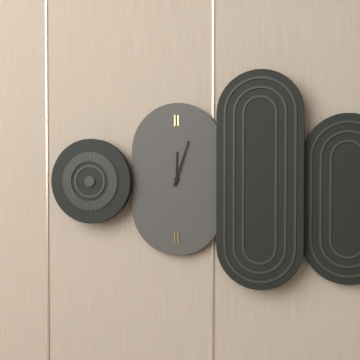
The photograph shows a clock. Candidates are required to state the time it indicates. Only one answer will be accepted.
12:03
